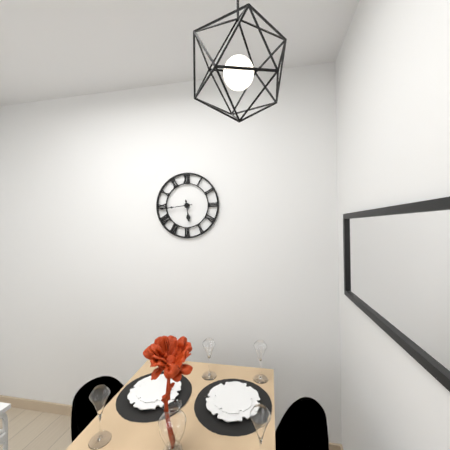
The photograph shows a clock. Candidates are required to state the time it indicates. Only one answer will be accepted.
5:44
